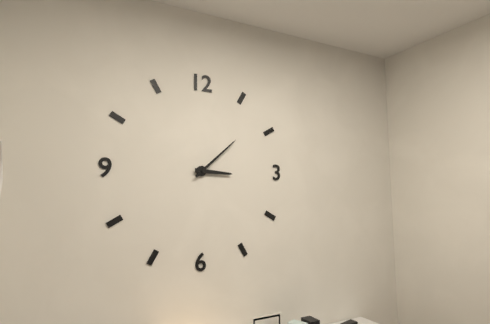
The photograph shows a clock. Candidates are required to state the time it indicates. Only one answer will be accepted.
3:08
